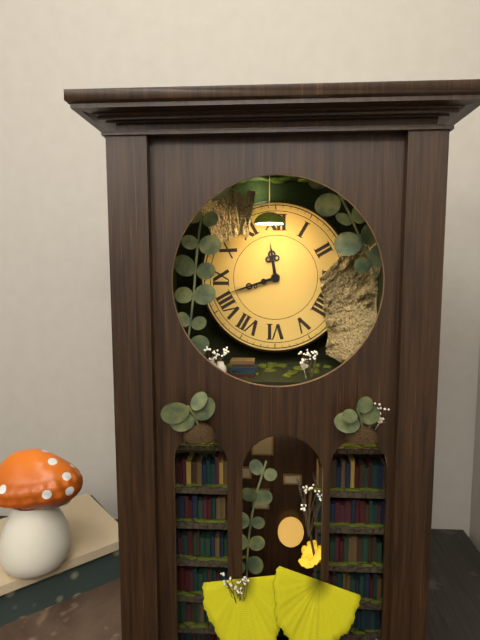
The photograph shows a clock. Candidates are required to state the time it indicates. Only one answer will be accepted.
11:42
